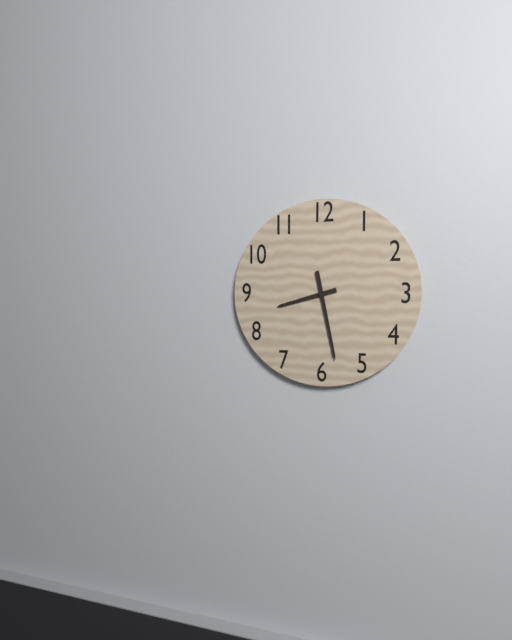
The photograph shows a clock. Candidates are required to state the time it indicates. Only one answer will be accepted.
8:28
